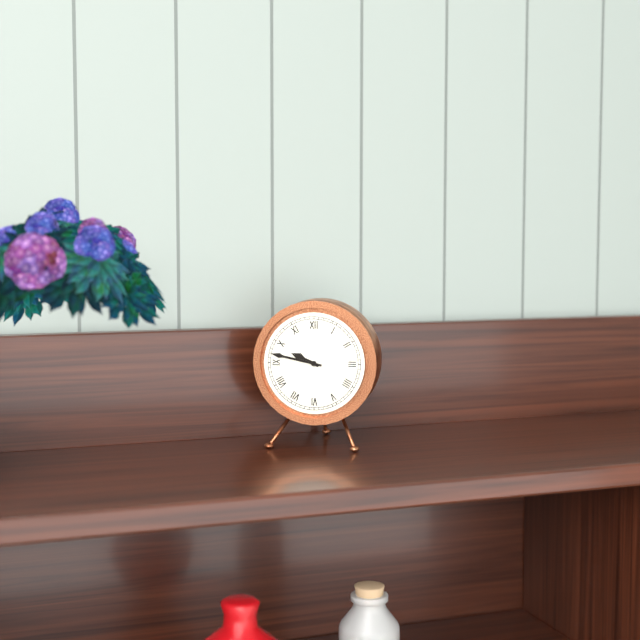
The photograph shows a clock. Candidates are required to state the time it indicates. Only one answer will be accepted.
9:47
